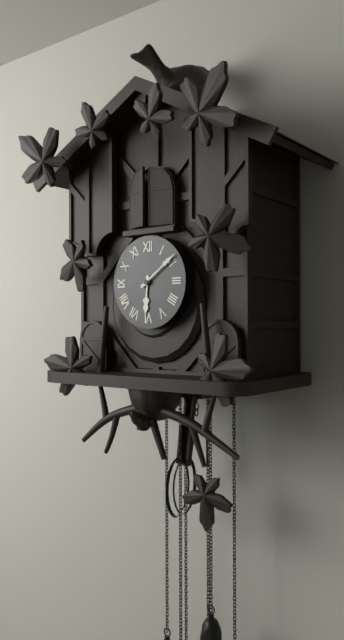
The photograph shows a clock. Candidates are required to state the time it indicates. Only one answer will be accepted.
6:09
